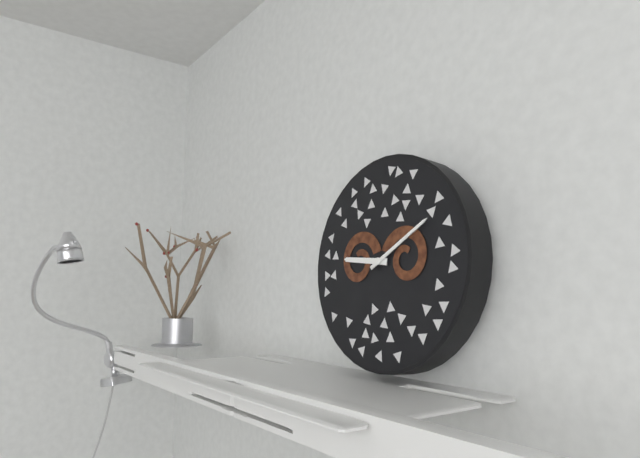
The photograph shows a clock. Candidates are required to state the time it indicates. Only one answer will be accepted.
9:10
